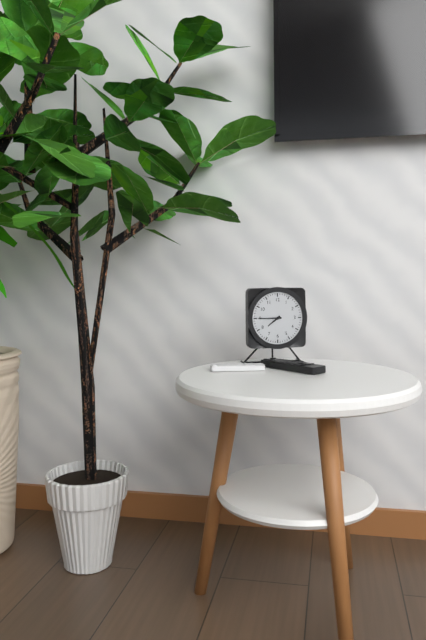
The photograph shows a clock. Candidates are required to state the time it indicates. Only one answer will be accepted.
7:45
